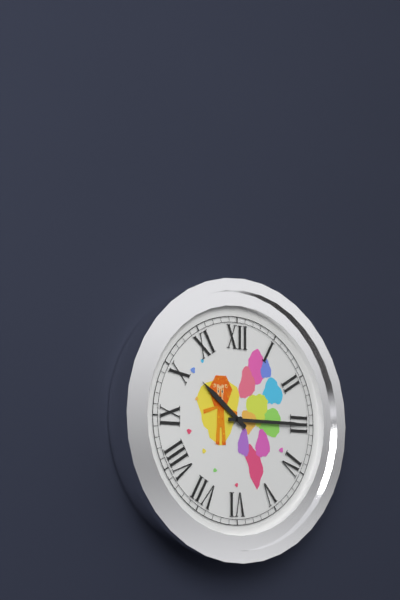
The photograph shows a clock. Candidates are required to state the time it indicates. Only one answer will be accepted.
10:15
